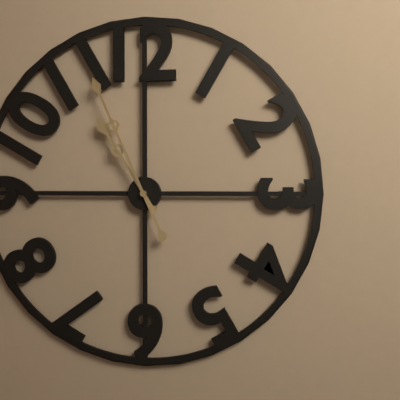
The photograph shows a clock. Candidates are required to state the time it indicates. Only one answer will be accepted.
10:56
